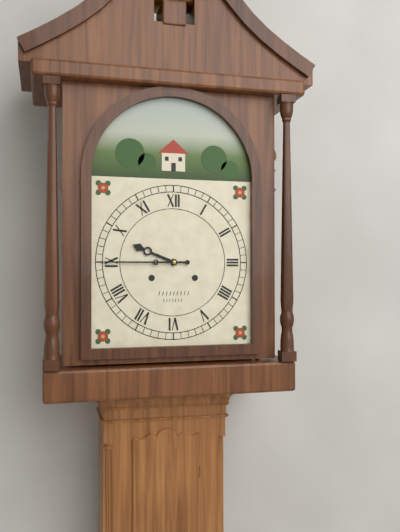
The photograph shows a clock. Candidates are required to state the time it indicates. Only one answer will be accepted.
9:45
